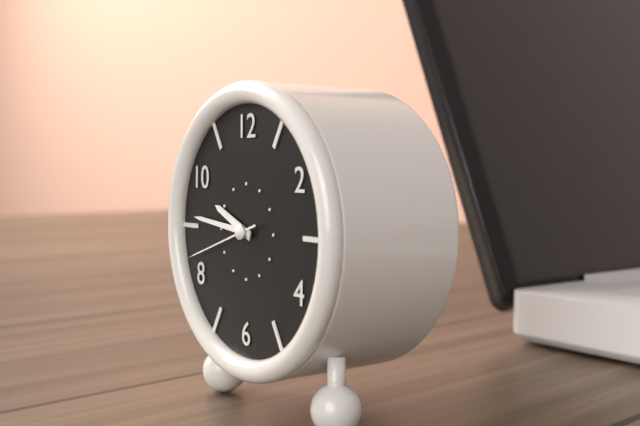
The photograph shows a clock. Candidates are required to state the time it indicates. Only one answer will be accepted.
9:46:42
